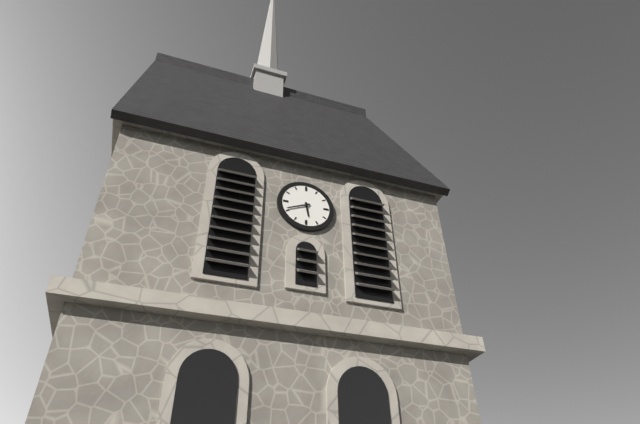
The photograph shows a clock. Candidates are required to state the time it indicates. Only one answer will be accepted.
5:41
